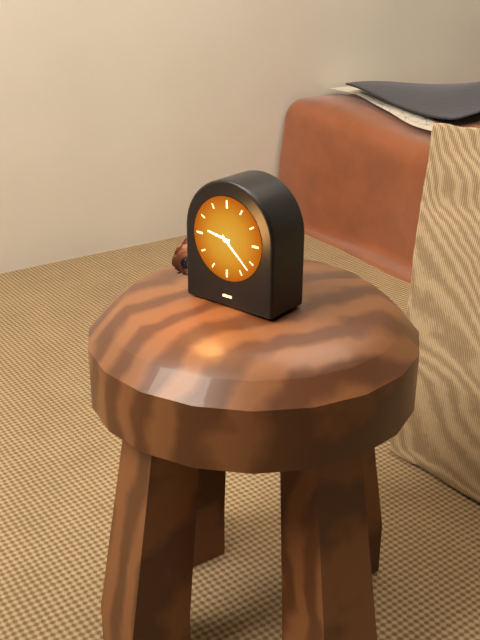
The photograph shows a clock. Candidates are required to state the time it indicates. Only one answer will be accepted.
9:22
